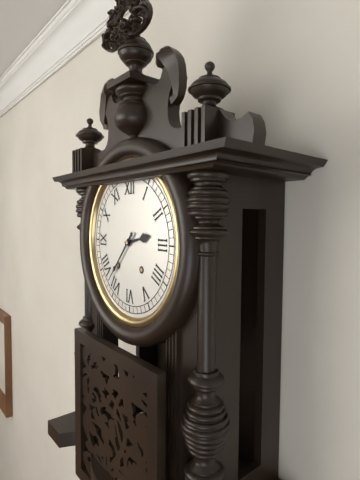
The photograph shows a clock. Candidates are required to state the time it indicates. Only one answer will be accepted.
2:37
